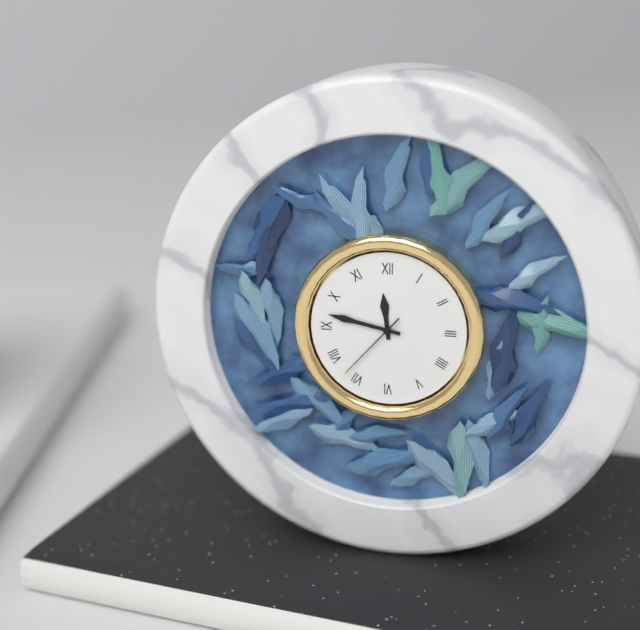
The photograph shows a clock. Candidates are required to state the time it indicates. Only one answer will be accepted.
11:47:37
